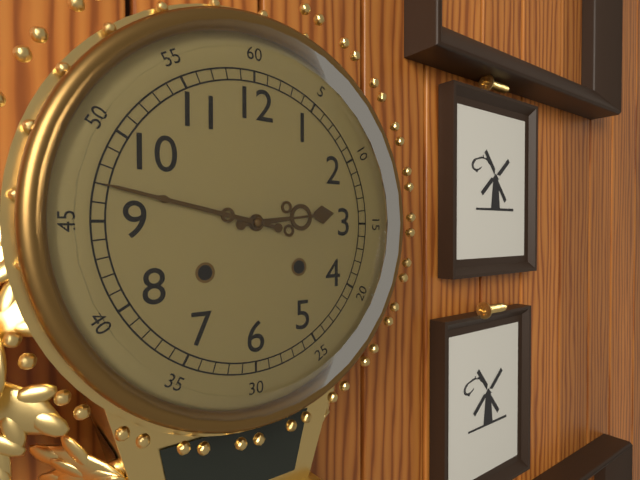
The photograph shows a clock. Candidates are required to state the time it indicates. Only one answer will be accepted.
2:47
